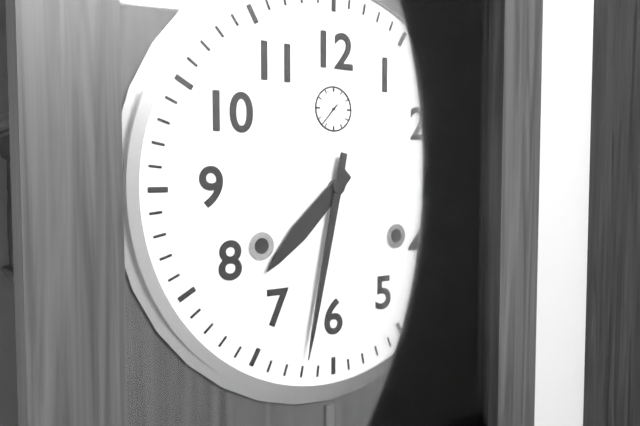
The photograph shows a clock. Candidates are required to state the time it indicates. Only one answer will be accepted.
7:32
